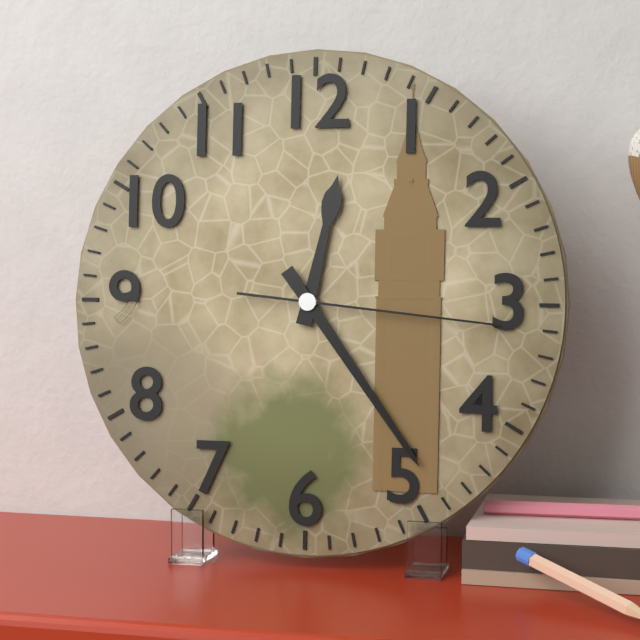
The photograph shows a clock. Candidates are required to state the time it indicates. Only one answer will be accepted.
12:24:16
